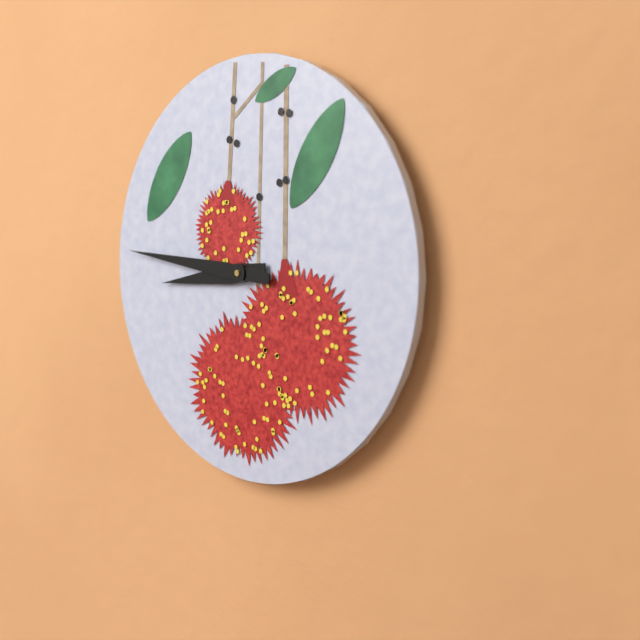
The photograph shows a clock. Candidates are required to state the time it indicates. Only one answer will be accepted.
8:46
